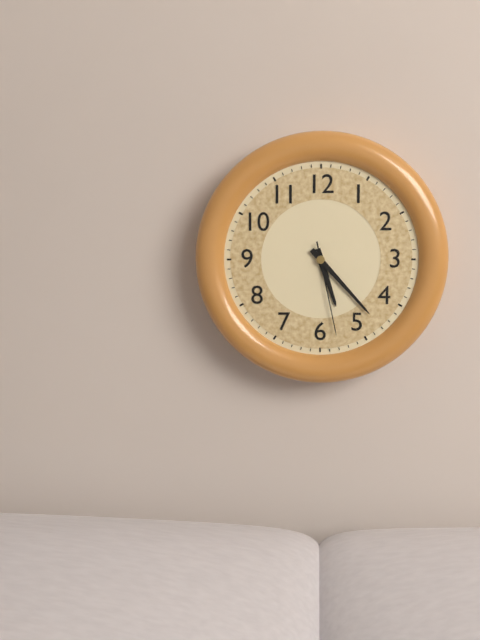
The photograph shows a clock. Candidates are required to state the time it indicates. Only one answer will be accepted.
5:23:28
